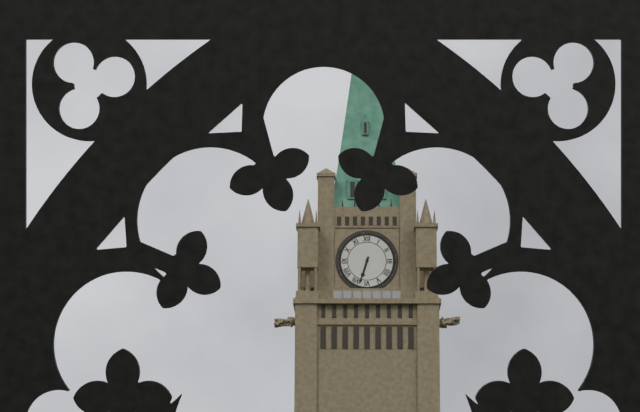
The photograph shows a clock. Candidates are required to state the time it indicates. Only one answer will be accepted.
6:33
